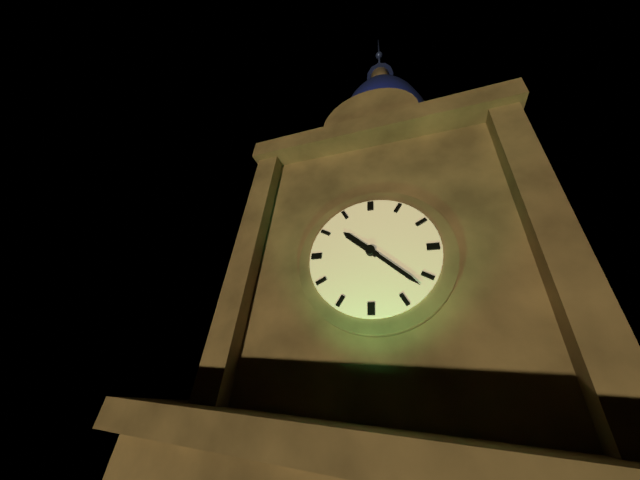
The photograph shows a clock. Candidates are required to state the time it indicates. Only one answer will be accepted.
10:22
